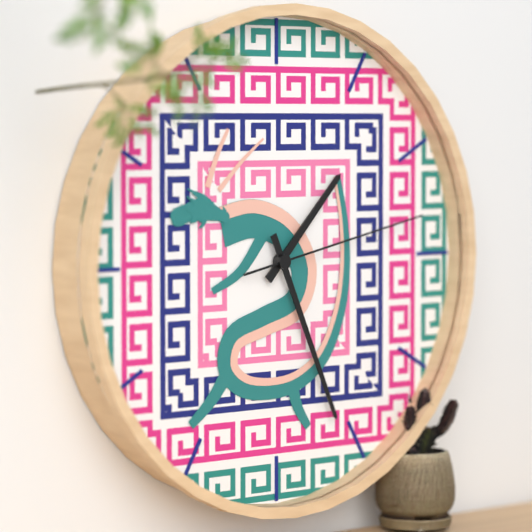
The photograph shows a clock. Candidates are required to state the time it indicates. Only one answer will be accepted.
1:26:13
